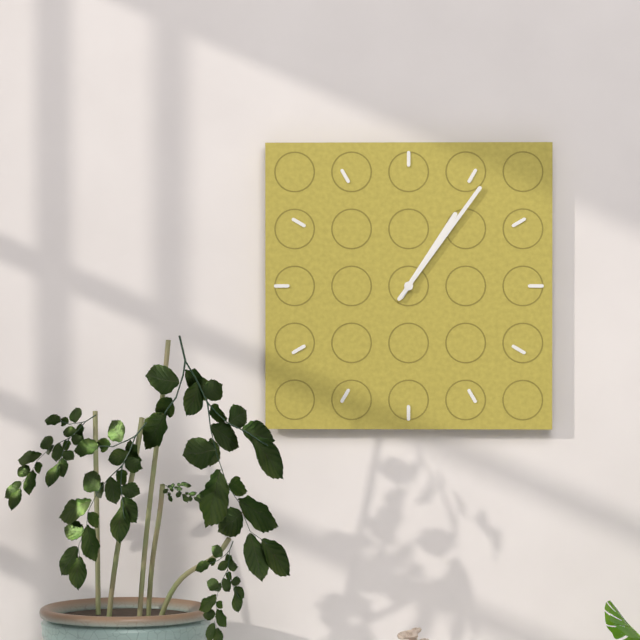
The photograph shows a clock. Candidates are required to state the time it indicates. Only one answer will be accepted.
1:06
